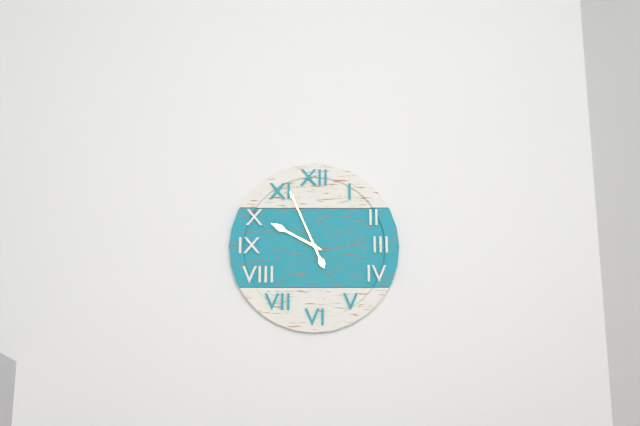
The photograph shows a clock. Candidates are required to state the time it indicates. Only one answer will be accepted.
9:56
